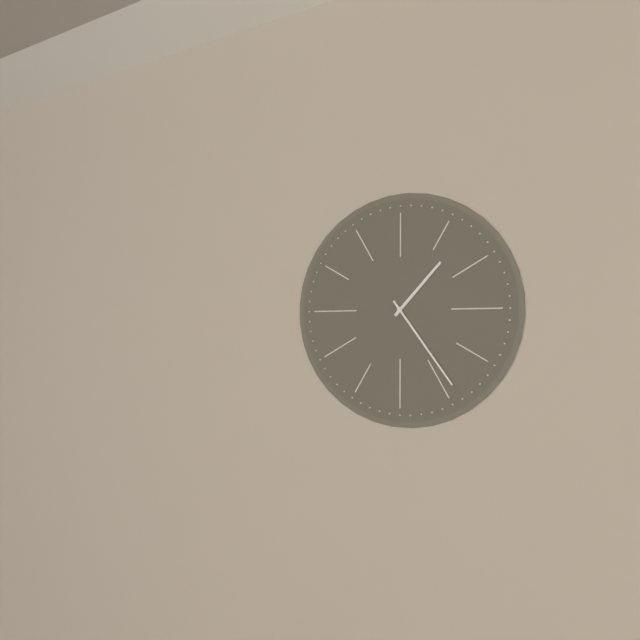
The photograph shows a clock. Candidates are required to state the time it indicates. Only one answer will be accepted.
1:24
